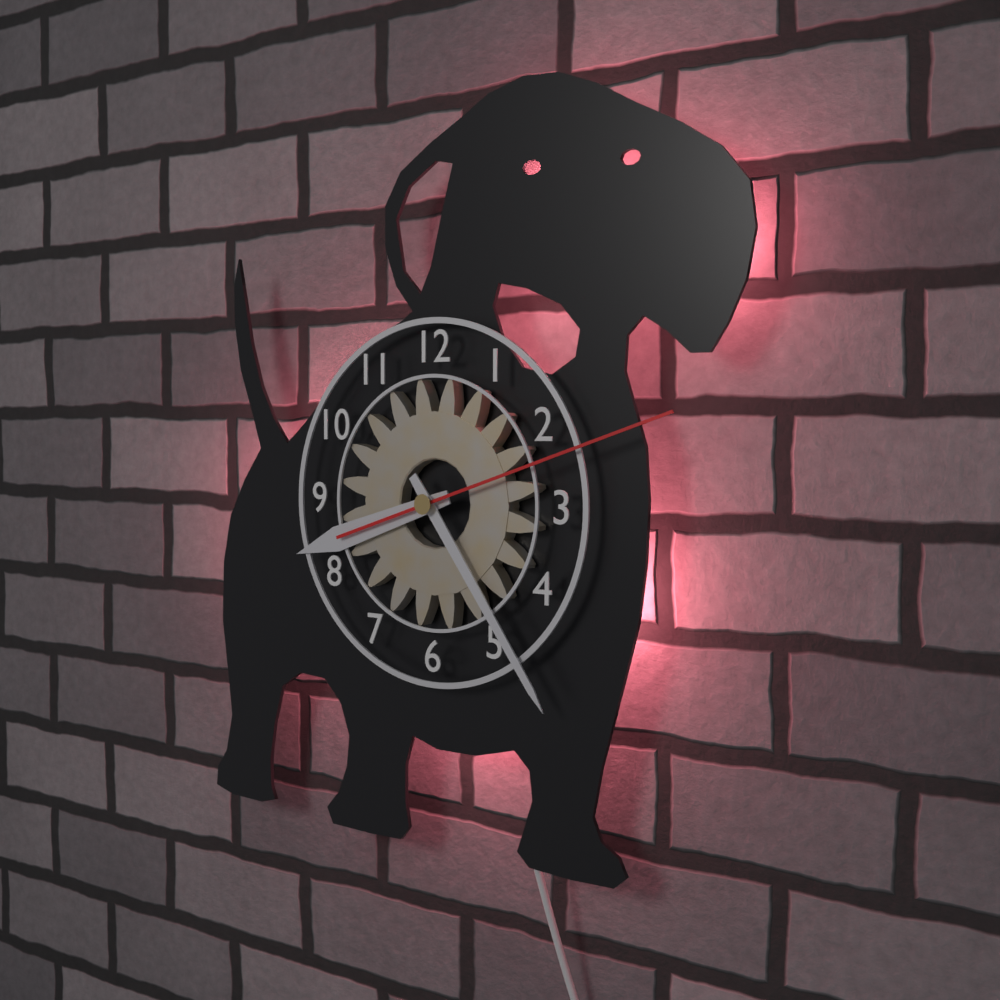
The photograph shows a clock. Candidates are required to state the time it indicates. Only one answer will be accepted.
8:24:12
